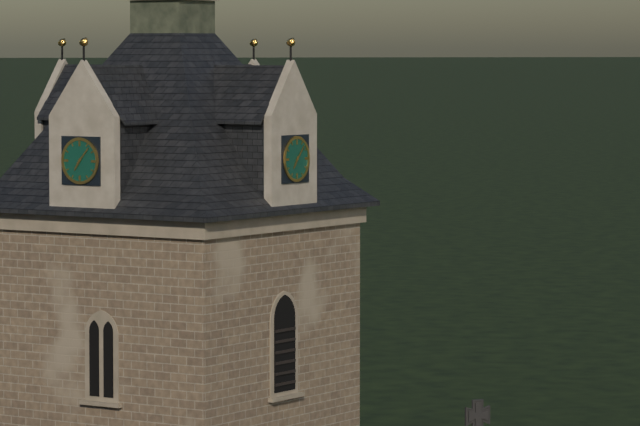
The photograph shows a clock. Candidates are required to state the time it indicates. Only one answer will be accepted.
7:07
